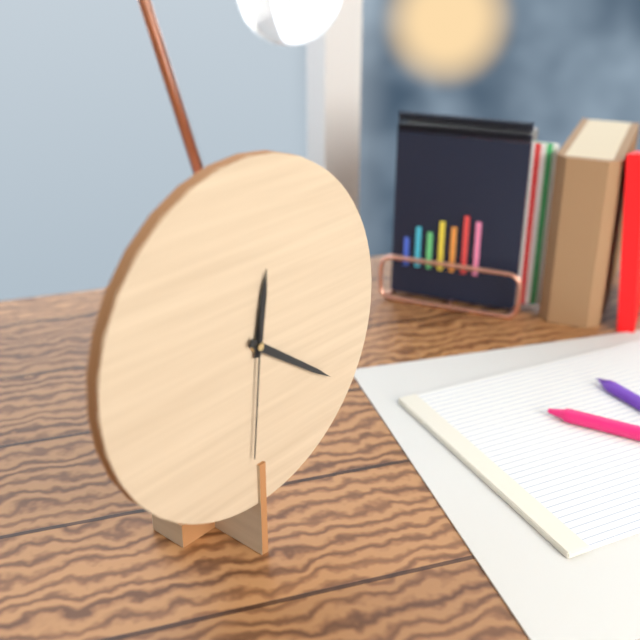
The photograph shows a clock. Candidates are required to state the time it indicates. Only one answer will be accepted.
12:21:31
